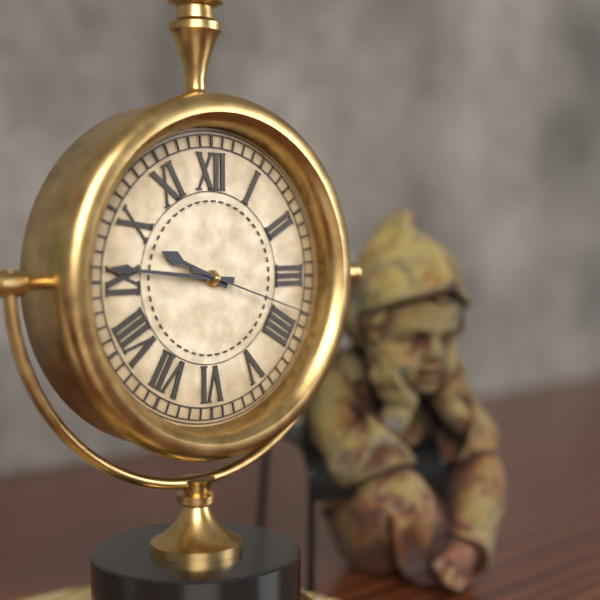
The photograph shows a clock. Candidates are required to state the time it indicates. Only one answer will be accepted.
9:46:18
